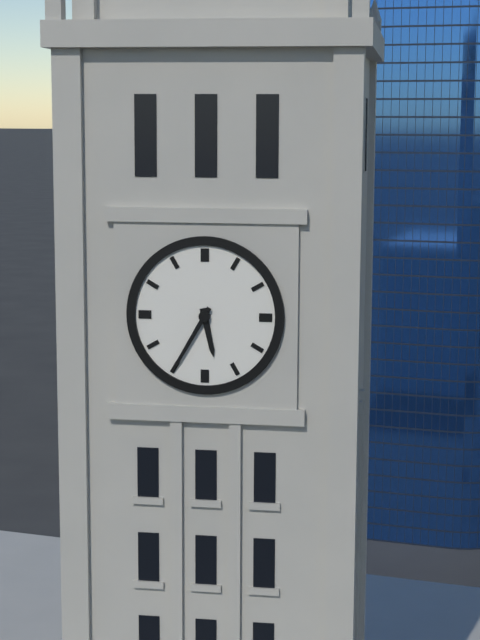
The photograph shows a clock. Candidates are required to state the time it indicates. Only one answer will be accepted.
5:35
